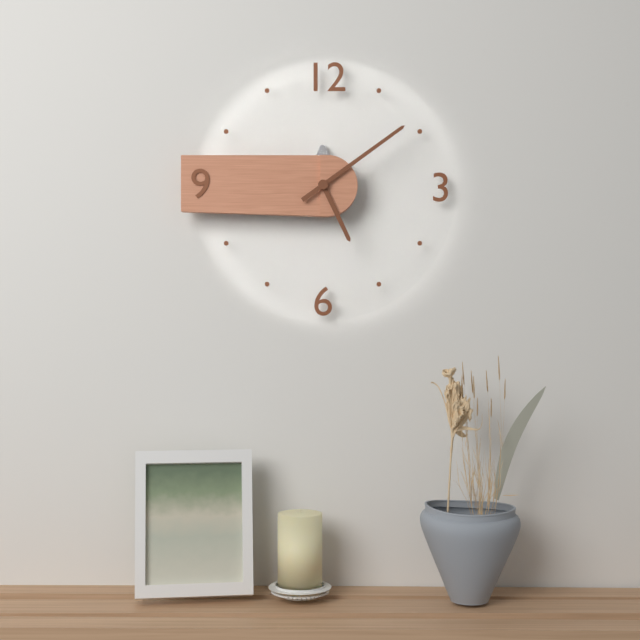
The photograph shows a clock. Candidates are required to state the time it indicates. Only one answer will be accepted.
5:09
